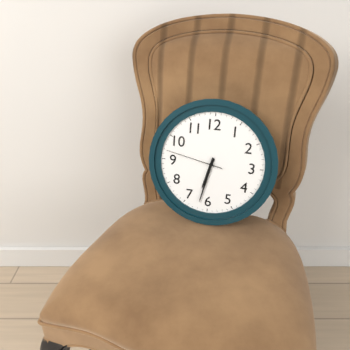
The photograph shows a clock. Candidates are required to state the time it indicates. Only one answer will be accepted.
6:32:47
